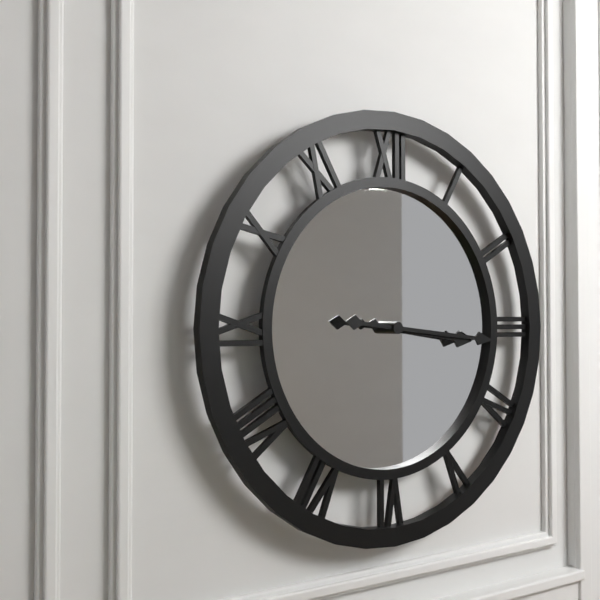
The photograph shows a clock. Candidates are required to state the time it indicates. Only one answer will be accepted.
3:16
